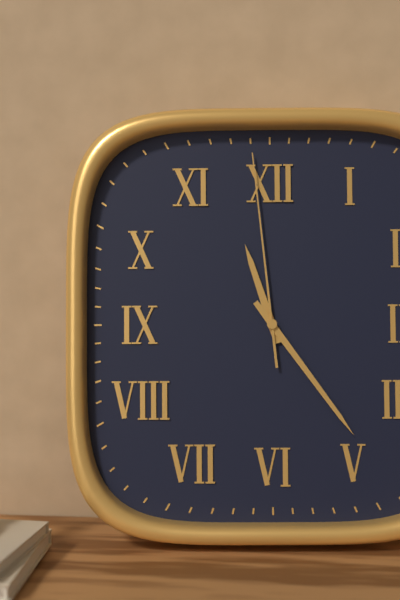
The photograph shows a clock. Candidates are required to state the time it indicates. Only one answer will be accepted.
11:24:59
